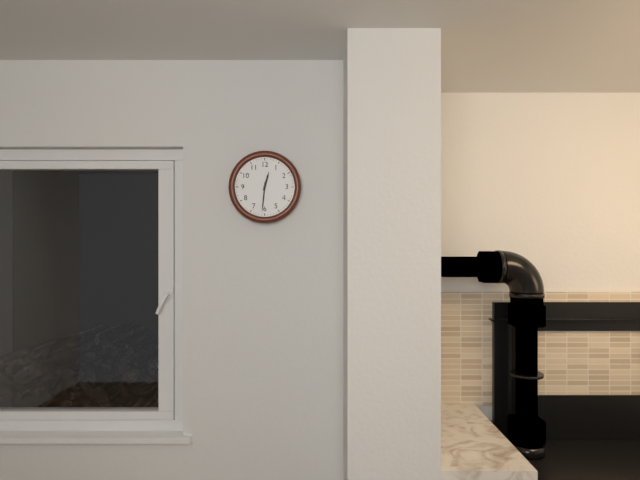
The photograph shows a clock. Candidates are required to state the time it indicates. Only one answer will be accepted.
12:31
